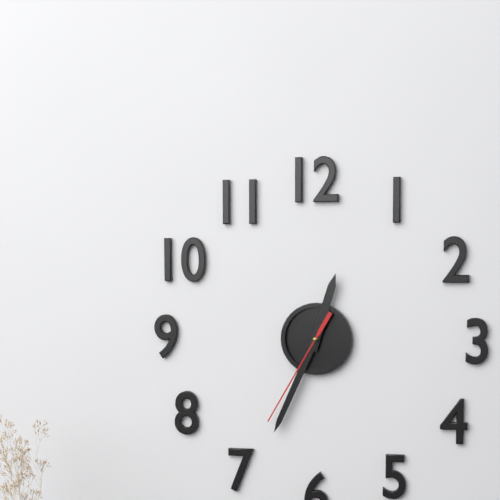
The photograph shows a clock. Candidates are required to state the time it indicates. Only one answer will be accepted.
12:34:35
